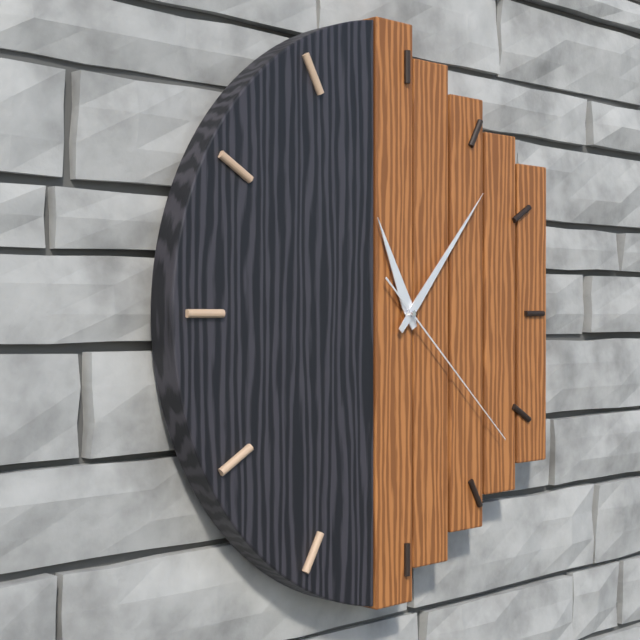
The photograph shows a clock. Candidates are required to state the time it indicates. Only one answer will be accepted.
11:07:22
